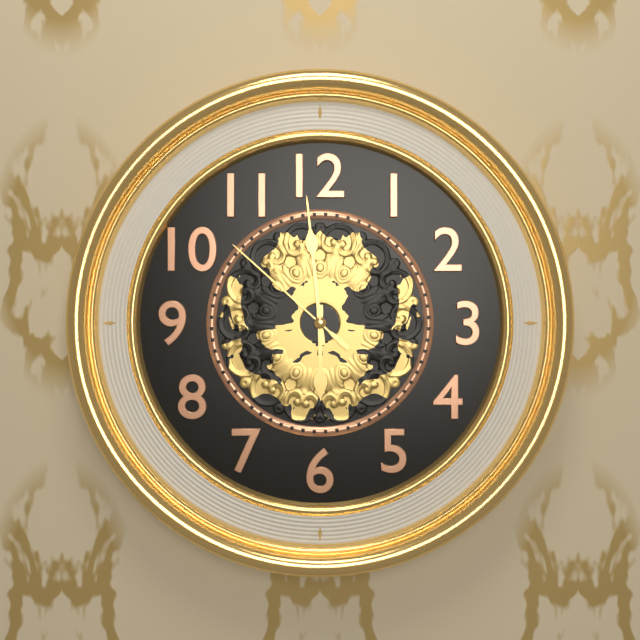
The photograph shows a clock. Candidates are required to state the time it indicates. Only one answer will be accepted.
5:59:52
